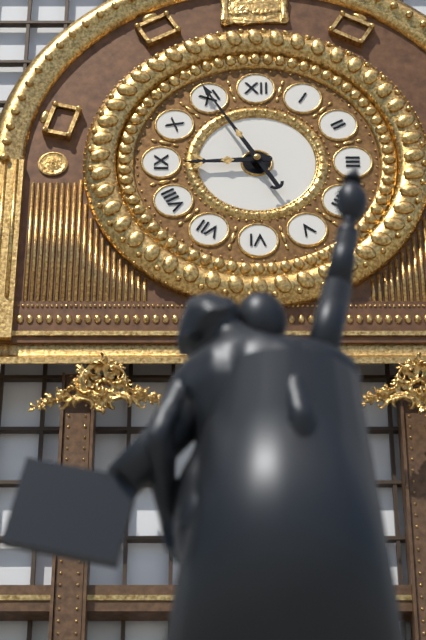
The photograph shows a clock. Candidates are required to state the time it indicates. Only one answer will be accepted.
8:55
